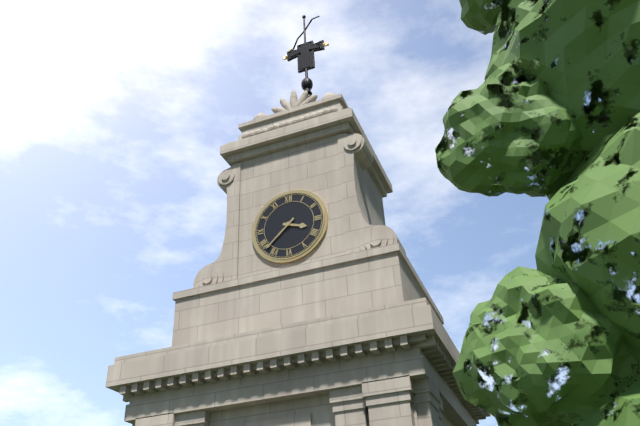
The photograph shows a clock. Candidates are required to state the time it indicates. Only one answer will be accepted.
3:38
